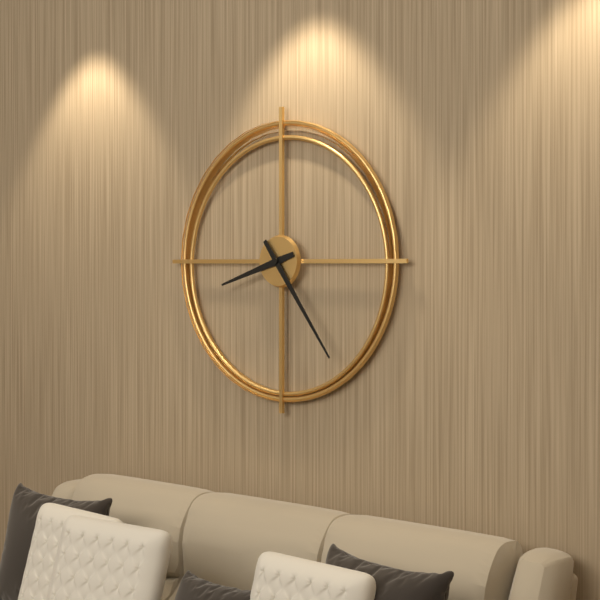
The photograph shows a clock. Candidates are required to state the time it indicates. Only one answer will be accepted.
8:24
